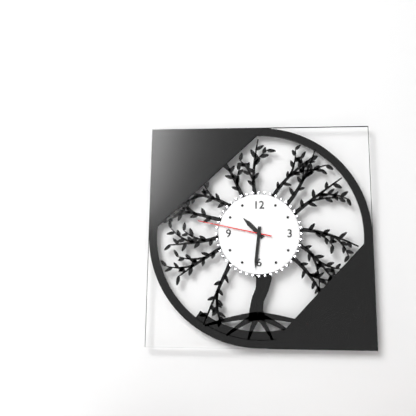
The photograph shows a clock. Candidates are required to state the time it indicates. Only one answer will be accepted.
10:31:47
